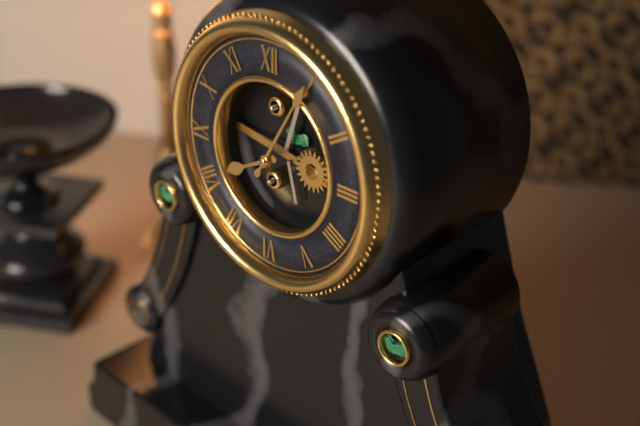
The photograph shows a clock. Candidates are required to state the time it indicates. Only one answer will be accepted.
8:05
